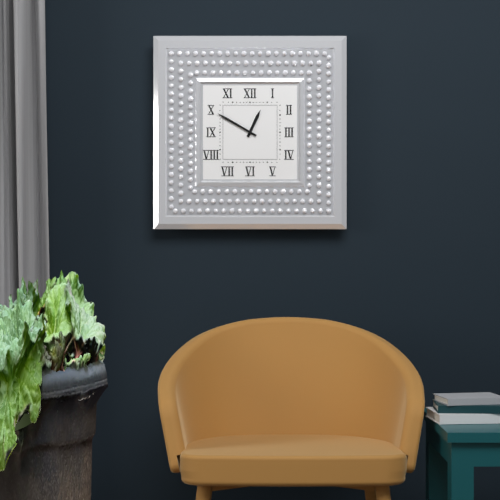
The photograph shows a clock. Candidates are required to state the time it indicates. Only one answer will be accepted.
12:50
